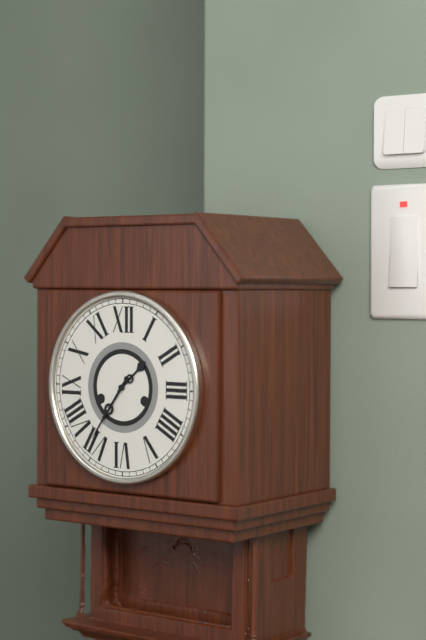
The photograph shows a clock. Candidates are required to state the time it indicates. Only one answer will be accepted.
1:36
